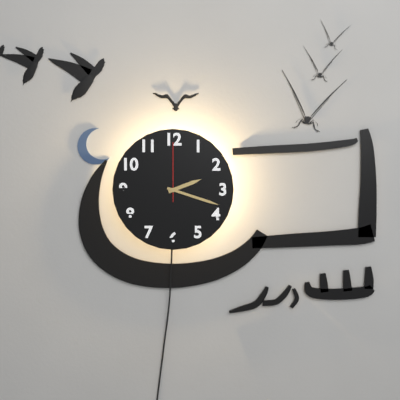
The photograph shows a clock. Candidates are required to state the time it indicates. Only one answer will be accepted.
2:18:00
